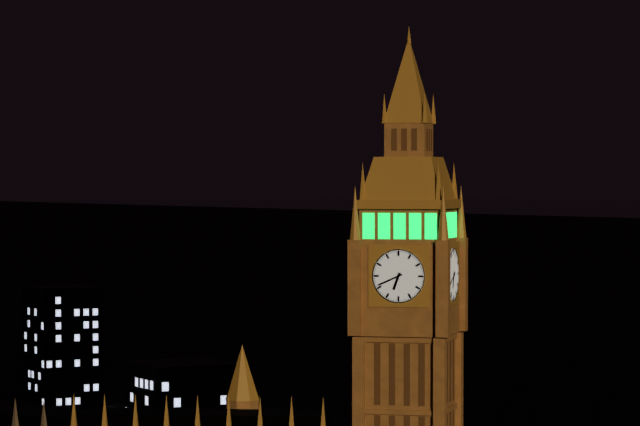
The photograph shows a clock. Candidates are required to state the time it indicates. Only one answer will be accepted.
6:41
